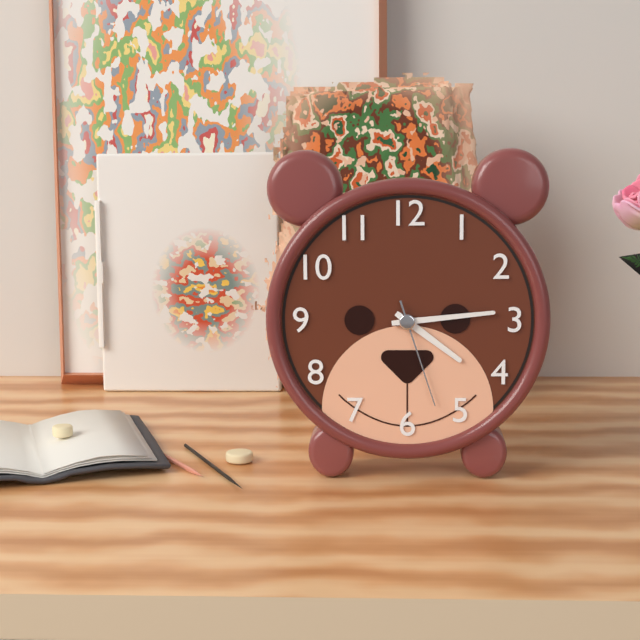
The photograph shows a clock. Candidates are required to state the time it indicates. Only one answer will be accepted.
4:14:27
